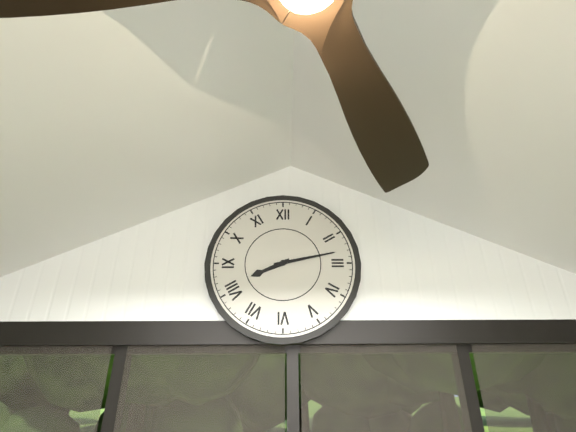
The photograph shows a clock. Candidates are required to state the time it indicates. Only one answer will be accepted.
8:13
